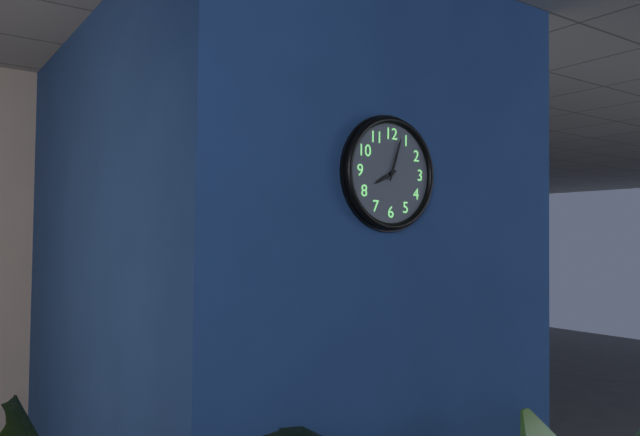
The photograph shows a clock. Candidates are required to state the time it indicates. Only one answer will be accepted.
8:03
